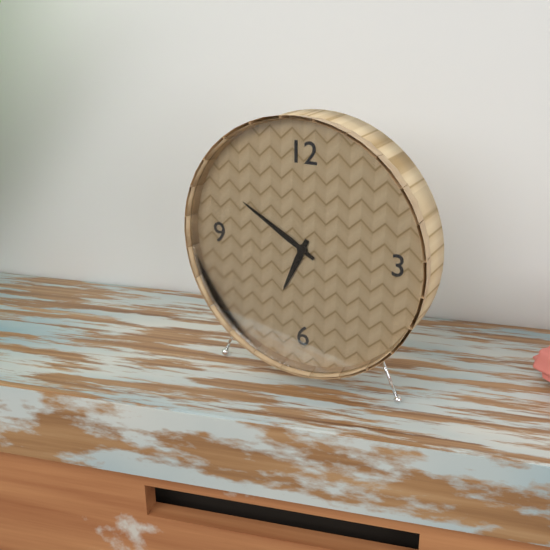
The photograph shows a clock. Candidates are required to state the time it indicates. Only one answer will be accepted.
6:50
